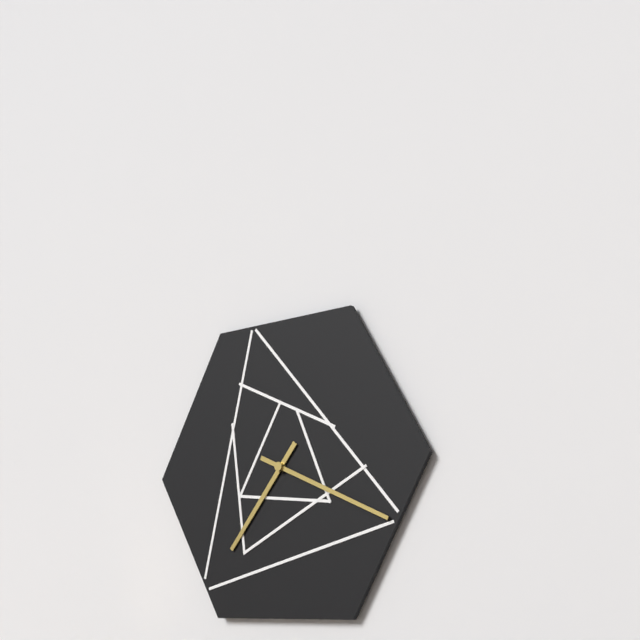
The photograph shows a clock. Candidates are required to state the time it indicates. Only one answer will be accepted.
7:19
